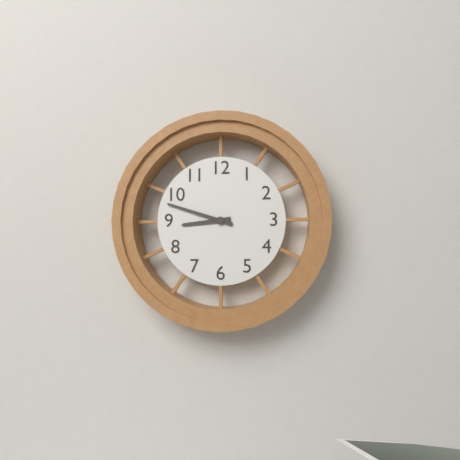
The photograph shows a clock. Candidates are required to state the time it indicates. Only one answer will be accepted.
8:48
